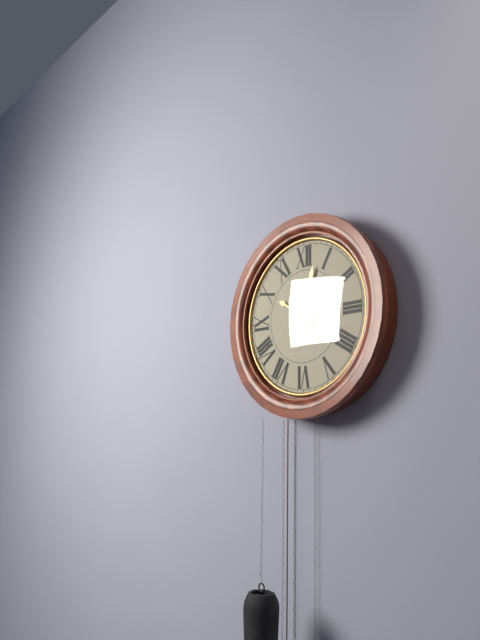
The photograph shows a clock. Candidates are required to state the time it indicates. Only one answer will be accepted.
10:03
